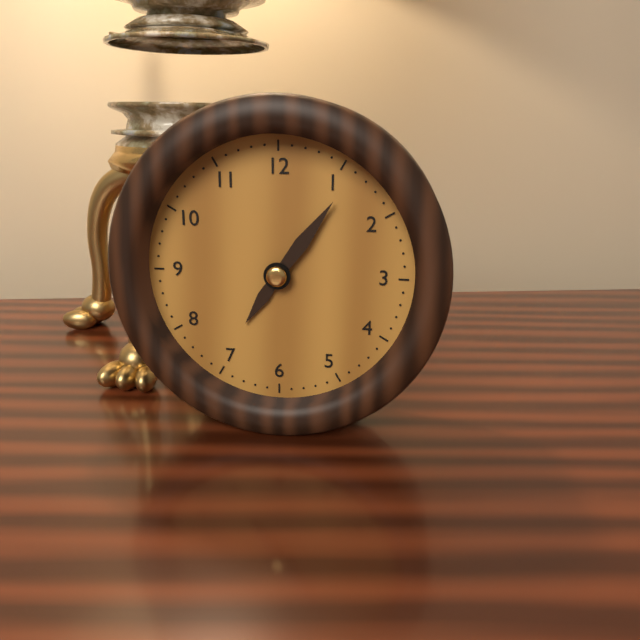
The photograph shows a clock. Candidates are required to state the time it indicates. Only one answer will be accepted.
7:06
